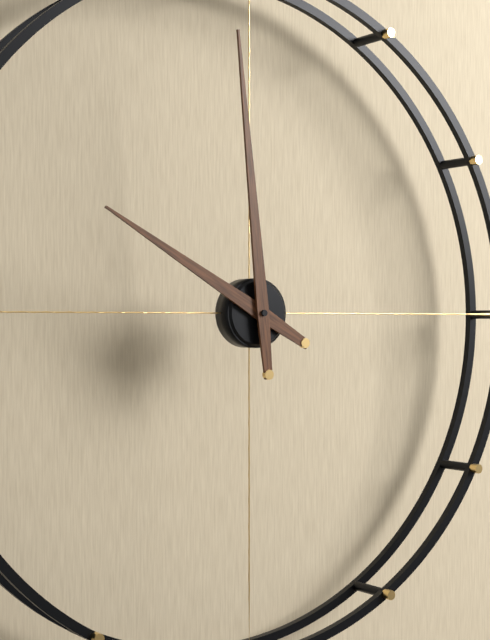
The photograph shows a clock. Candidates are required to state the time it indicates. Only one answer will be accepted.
9:59
